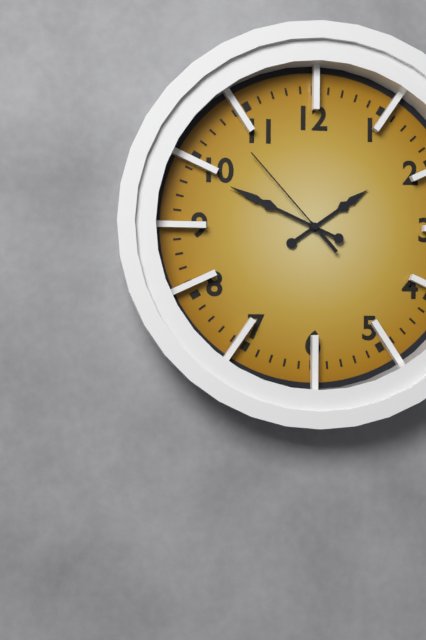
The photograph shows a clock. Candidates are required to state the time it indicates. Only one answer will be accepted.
1:49:53
